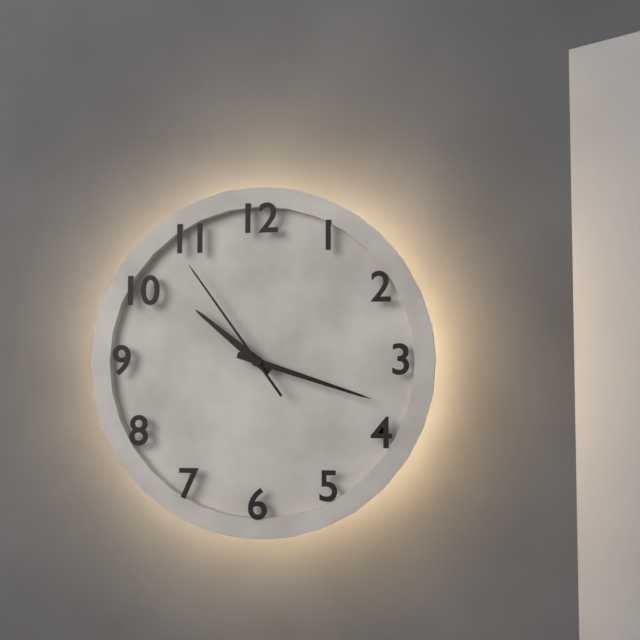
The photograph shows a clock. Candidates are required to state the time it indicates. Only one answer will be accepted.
10:18:54
